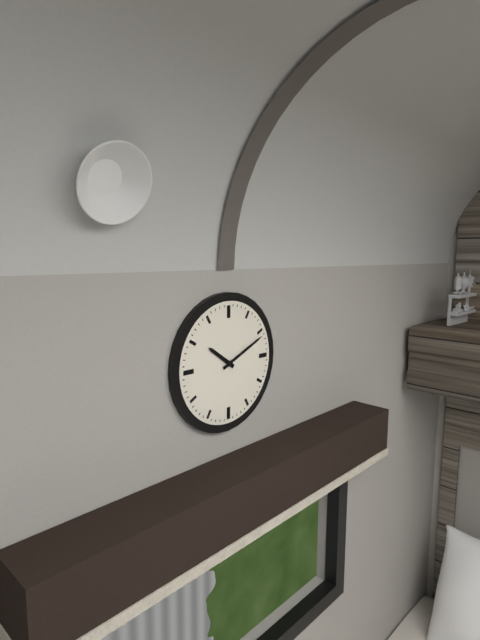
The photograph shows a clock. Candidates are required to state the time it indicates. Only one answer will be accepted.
10:11
